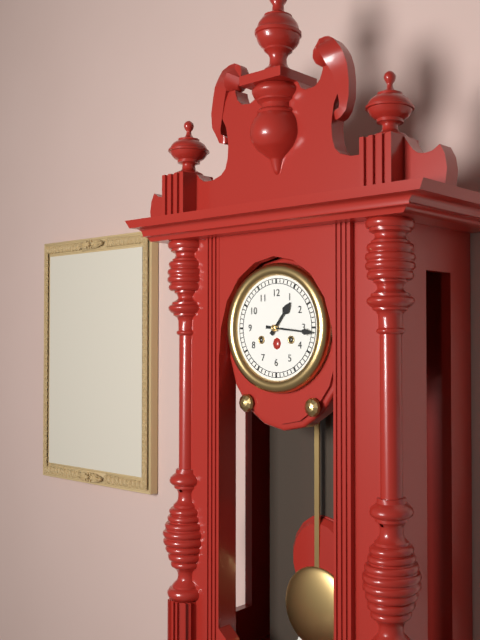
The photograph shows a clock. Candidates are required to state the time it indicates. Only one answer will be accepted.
1:16
